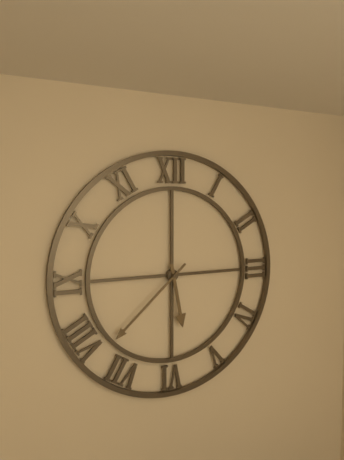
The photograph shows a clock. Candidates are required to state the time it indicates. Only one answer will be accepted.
5:38
